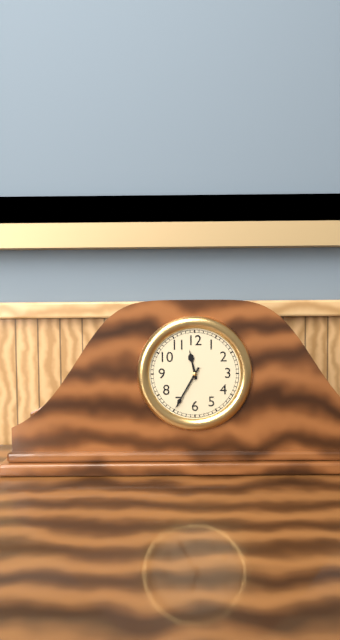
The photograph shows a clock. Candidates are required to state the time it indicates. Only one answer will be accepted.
11:35
